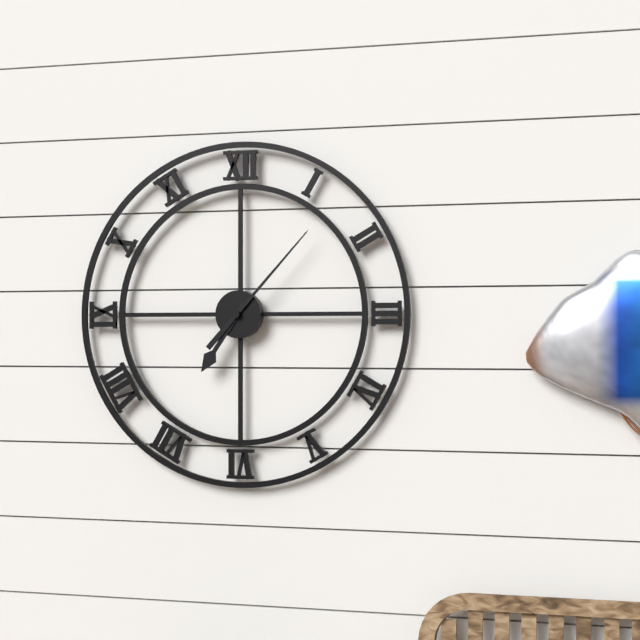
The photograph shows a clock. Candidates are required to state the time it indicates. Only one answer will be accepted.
7:07
